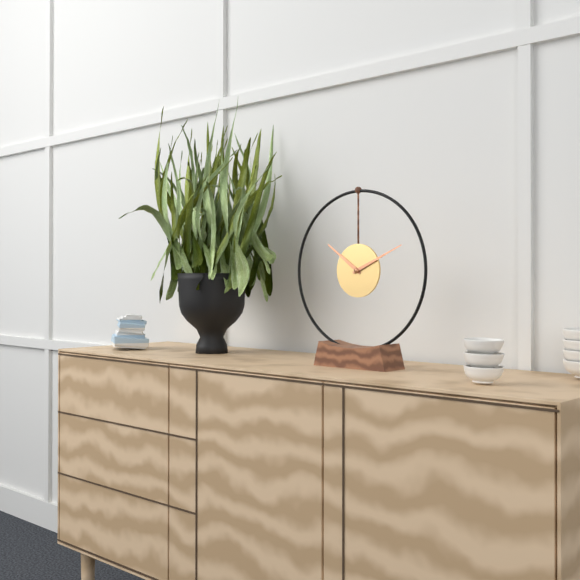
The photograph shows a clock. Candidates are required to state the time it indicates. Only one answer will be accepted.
10:11
